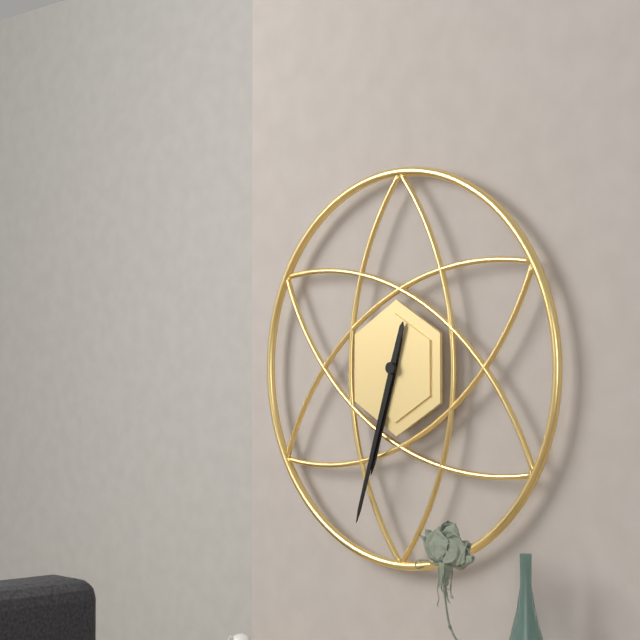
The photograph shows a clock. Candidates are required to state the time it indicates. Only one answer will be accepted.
6:33
